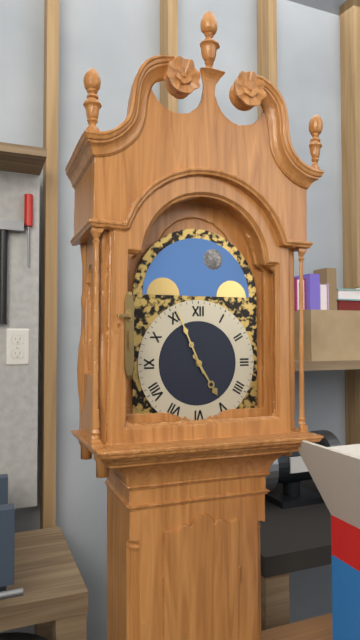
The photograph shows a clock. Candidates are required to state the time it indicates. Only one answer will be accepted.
4:56
